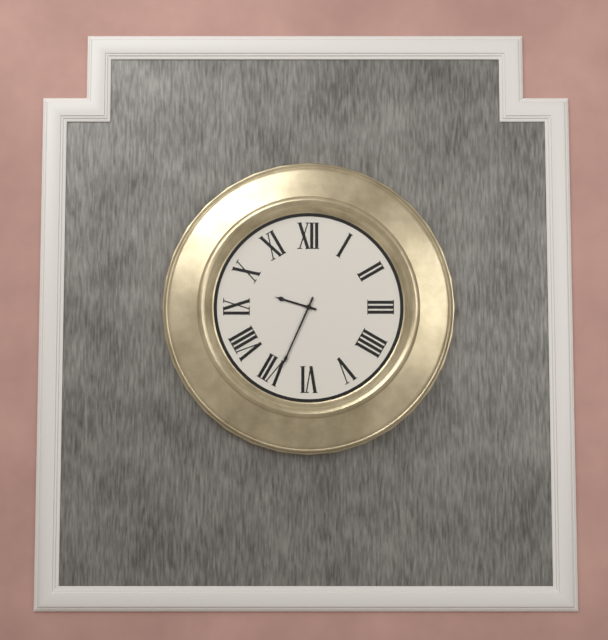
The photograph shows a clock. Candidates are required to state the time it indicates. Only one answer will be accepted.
9:34
